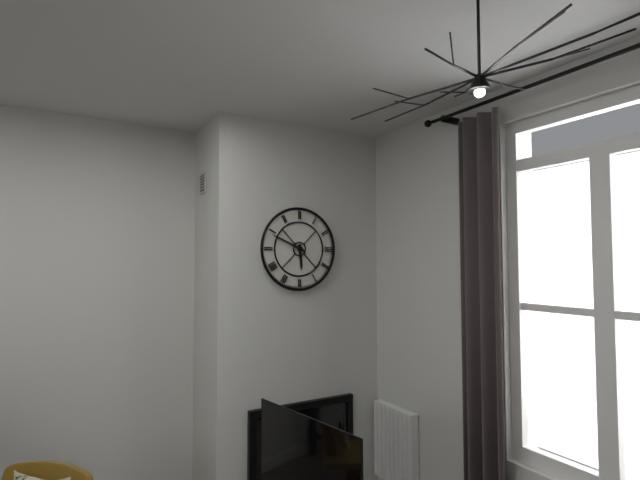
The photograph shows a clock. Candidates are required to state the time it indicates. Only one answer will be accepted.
5:49
